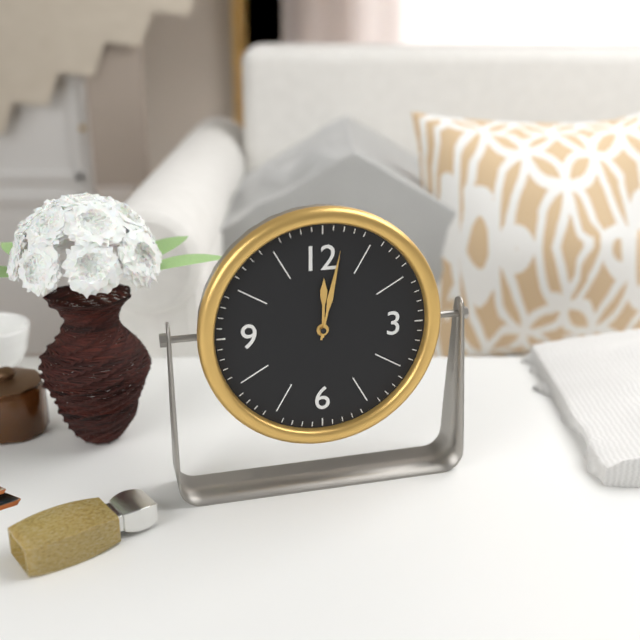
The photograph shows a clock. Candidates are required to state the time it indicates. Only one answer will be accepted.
12:02
